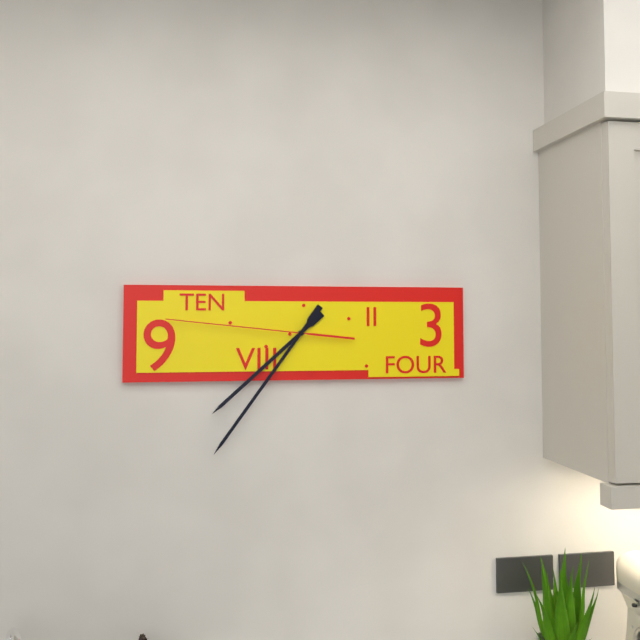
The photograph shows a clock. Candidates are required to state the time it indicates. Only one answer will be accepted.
7:36:46
